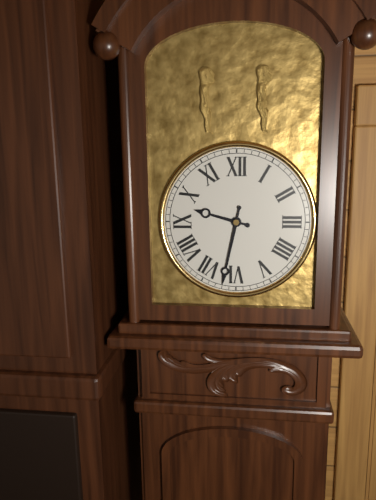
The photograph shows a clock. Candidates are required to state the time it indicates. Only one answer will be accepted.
9:32
